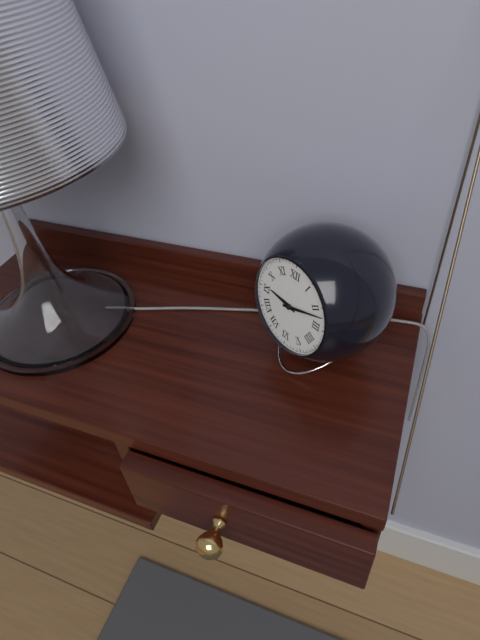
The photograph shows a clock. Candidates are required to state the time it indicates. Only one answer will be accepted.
9:12
